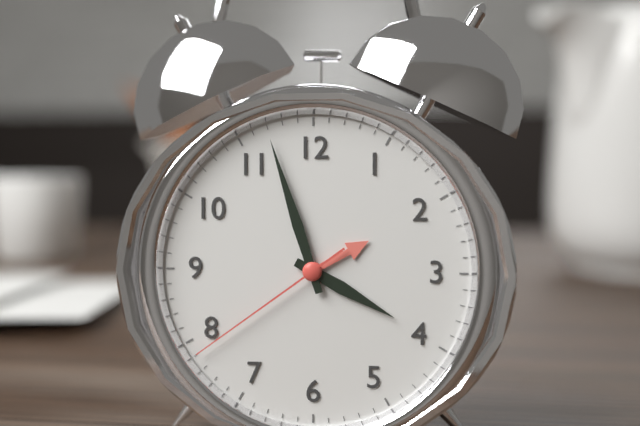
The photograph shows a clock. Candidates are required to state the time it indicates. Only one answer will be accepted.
3:57:39
